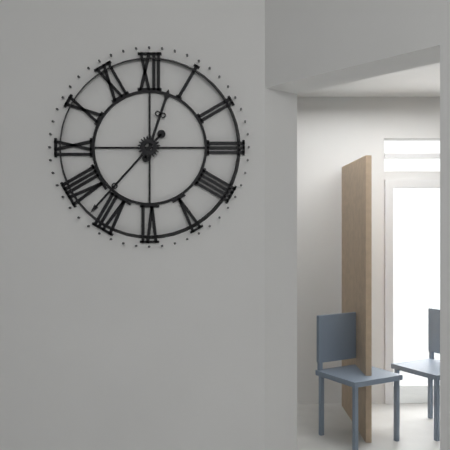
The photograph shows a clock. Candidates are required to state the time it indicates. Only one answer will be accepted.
12:37
